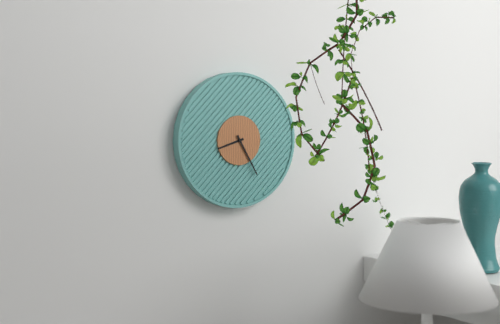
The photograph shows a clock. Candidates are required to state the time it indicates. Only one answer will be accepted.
8:25
